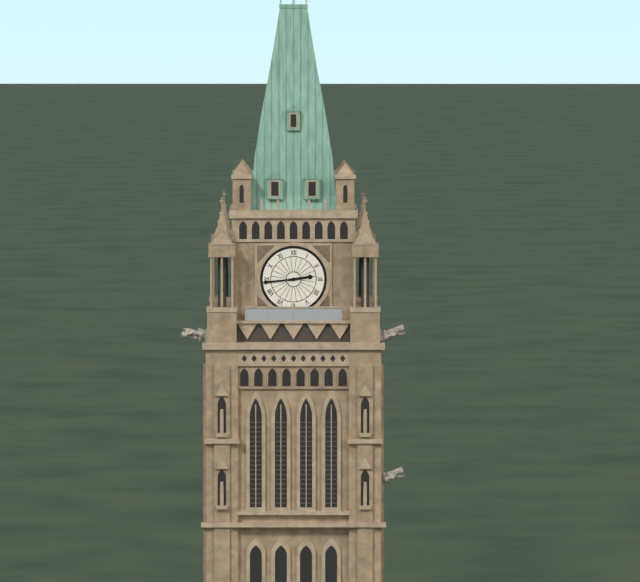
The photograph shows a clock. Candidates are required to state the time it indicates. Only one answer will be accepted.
2:44
